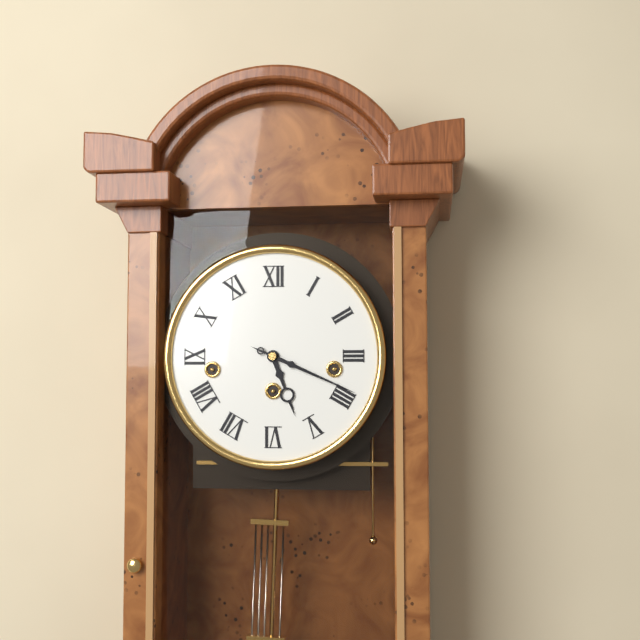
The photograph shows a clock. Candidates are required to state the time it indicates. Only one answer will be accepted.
5:19
